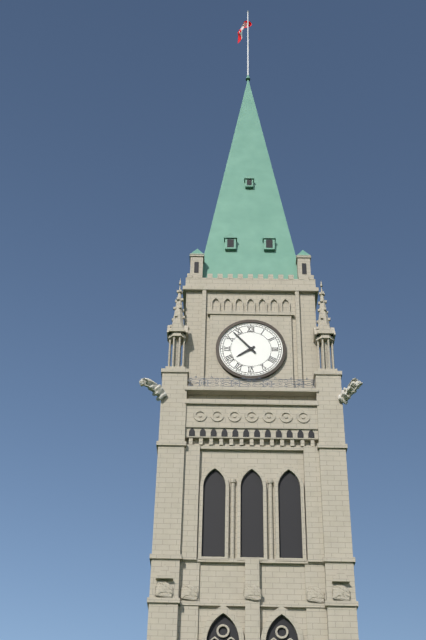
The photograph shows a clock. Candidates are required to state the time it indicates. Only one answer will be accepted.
7:53
